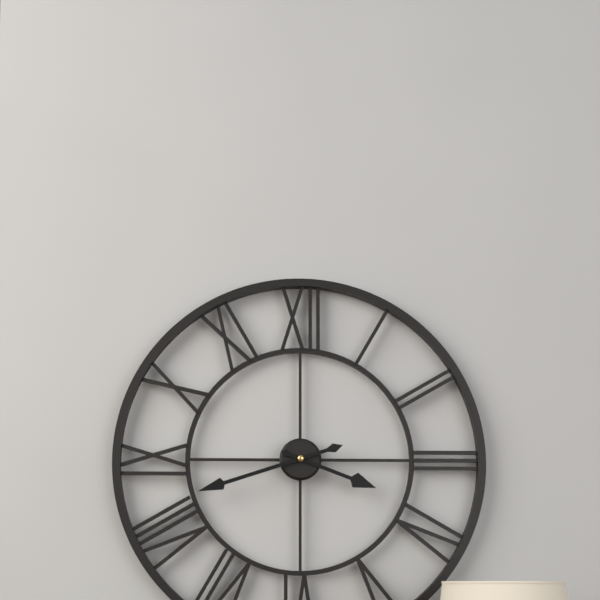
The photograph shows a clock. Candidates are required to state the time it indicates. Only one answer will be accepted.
3:42
